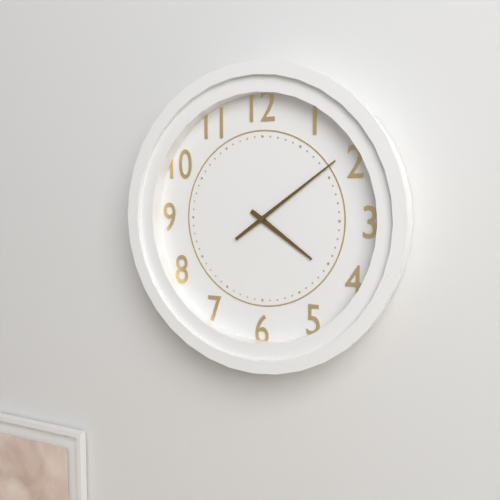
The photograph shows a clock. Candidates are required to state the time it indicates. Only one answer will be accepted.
4:09
